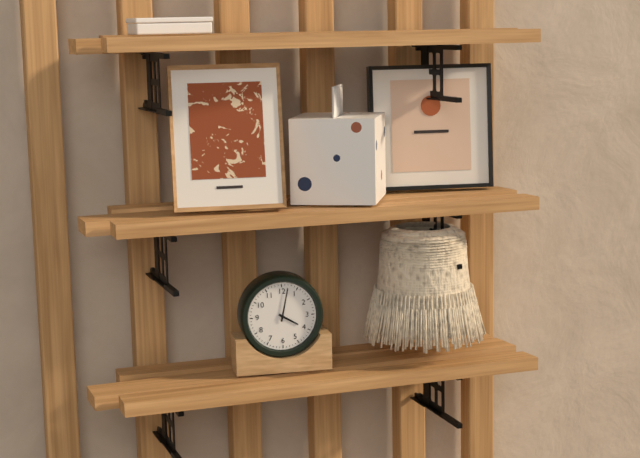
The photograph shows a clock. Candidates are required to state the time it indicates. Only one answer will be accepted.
4:02
